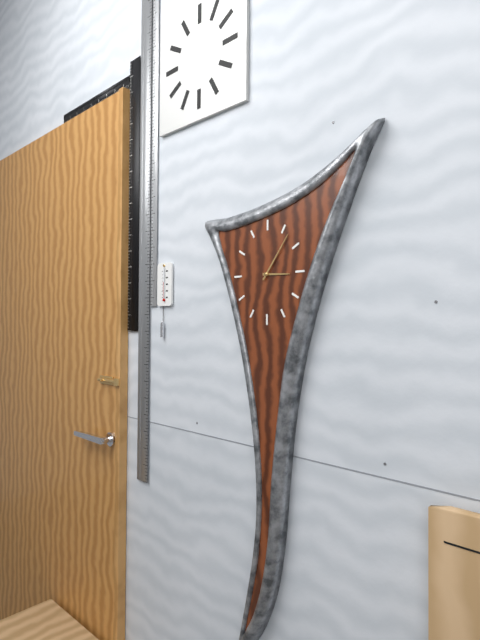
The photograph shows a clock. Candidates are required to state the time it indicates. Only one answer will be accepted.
3:06
